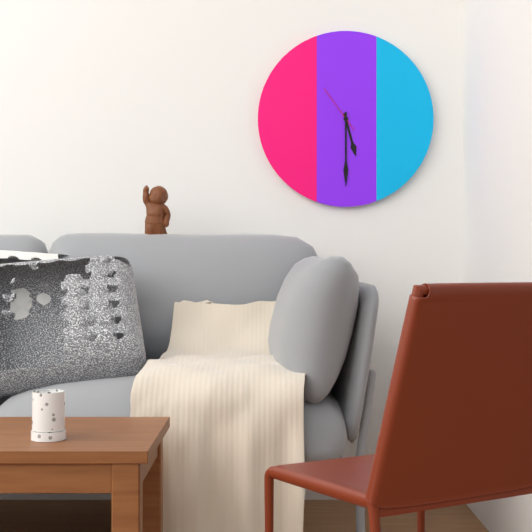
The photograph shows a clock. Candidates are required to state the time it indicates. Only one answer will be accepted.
5:30
